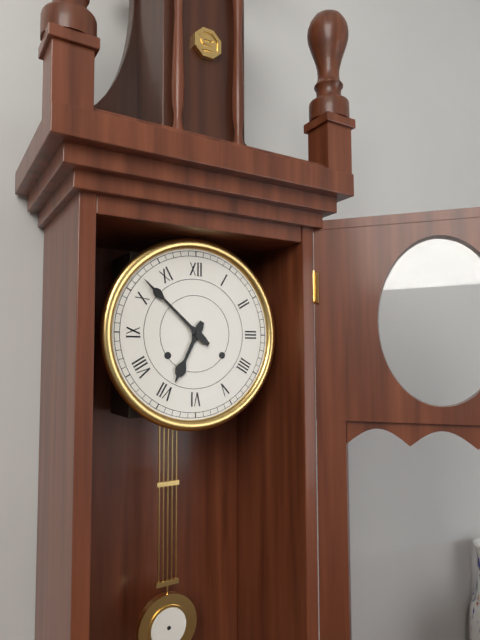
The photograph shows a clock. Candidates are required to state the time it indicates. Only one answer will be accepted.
6:52
